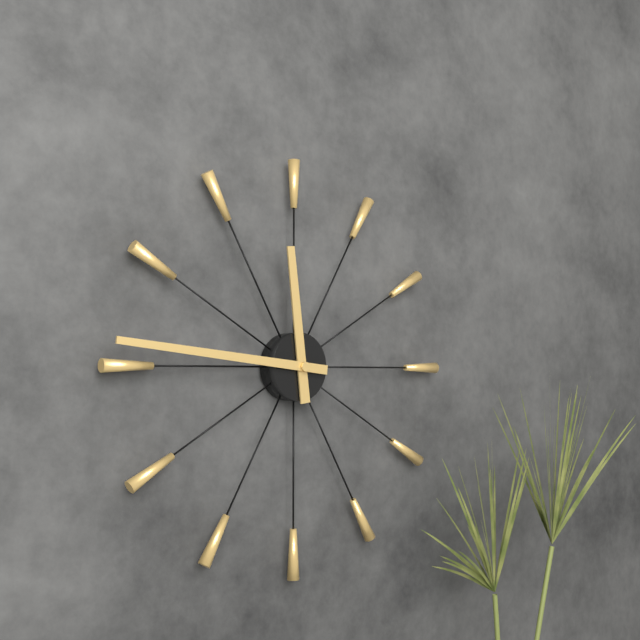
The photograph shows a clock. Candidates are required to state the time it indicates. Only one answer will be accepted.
11:46
